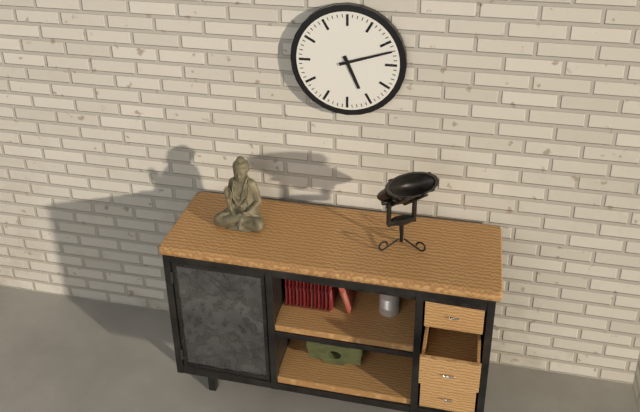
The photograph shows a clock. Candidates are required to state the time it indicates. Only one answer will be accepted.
5:12
